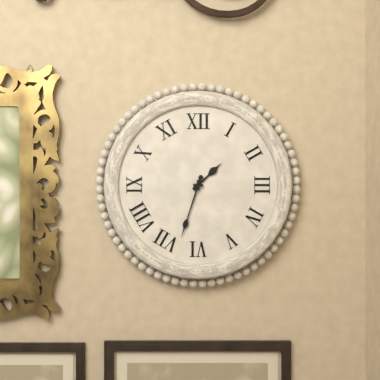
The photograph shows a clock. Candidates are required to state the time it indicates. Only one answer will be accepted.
1:33
